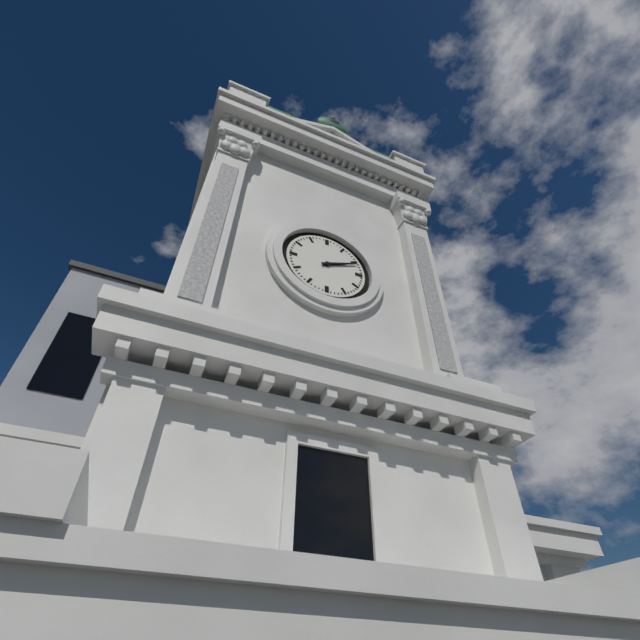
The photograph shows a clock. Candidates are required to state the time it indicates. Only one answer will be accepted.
2:11
